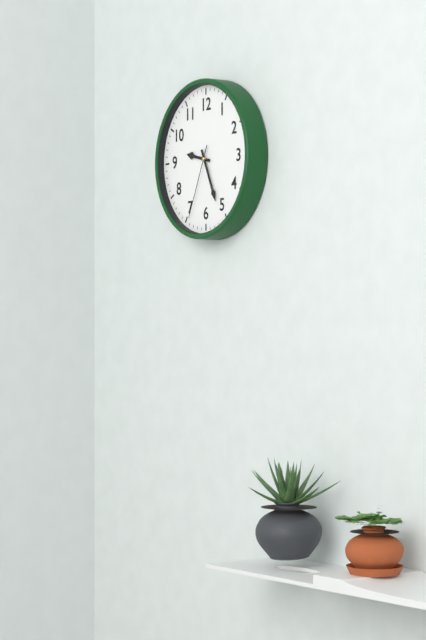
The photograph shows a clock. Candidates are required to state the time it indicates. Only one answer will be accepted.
9:26:34
